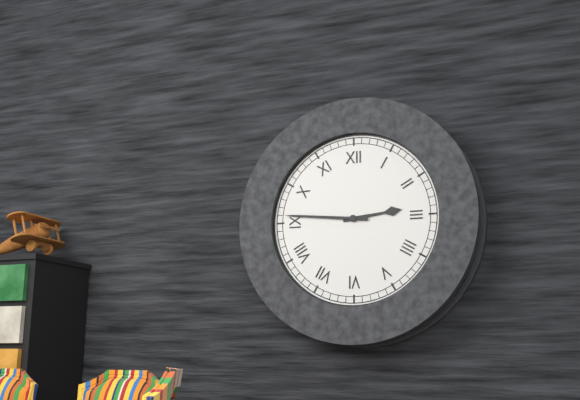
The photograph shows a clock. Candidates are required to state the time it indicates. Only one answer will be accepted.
2:46
